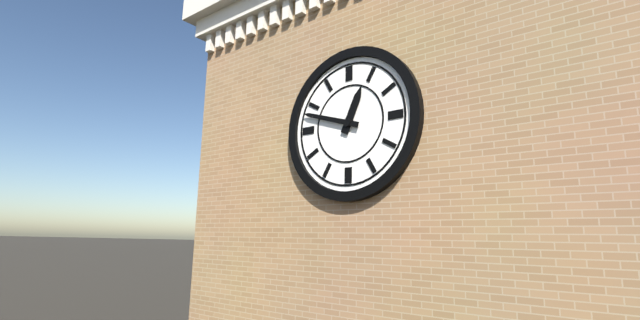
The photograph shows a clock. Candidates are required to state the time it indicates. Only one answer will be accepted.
12:48
